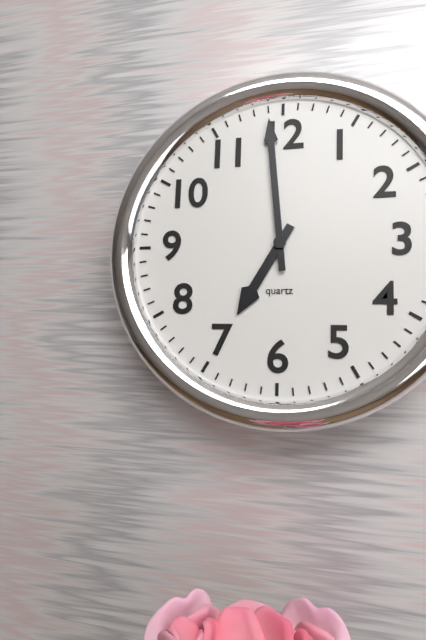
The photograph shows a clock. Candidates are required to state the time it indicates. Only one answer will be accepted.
6:59
